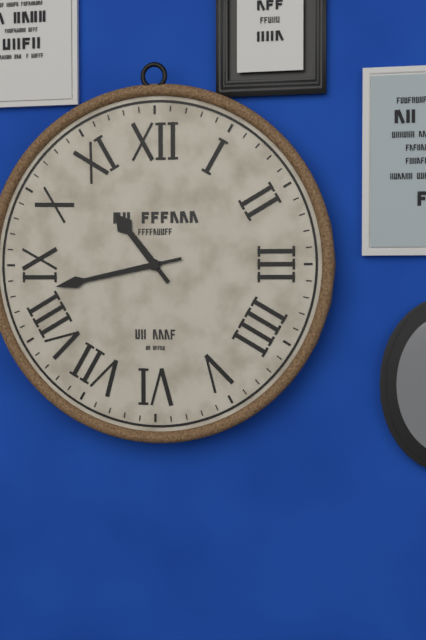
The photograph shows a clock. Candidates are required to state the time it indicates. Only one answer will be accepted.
10:43
